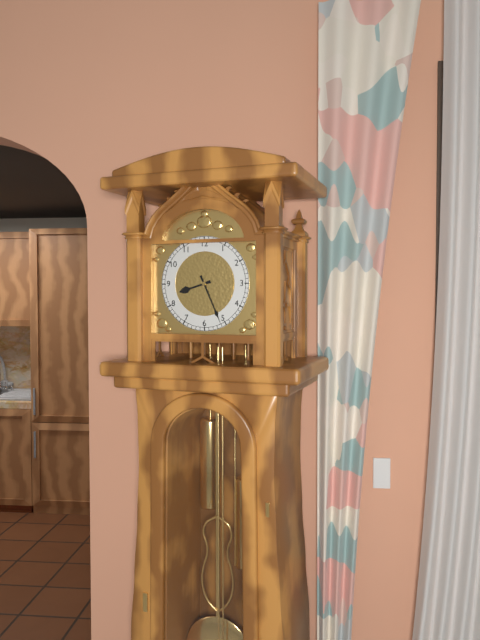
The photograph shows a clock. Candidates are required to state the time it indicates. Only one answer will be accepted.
8:26
